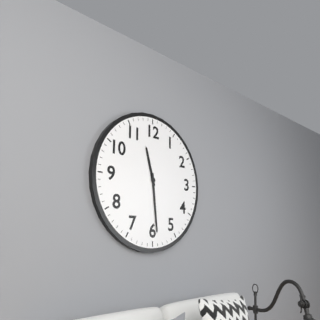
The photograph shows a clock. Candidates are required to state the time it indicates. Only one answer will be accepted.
11:29
